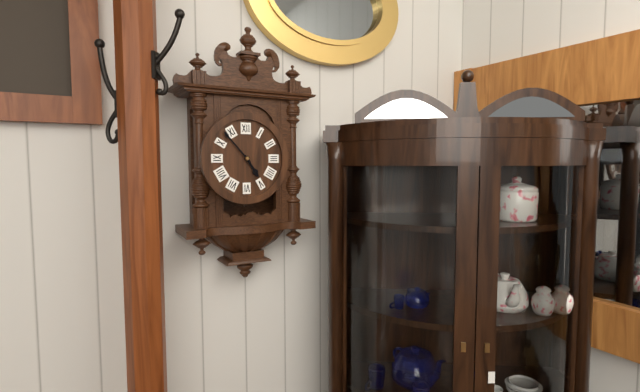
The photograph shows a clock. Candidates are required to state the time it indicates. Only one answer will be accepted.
4:53
